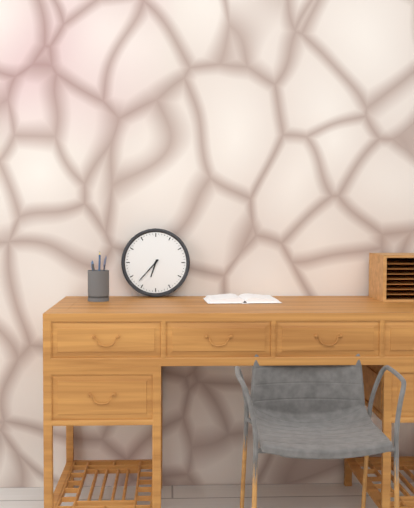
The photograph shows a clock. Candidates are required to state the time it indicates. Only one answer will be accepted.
6:37
